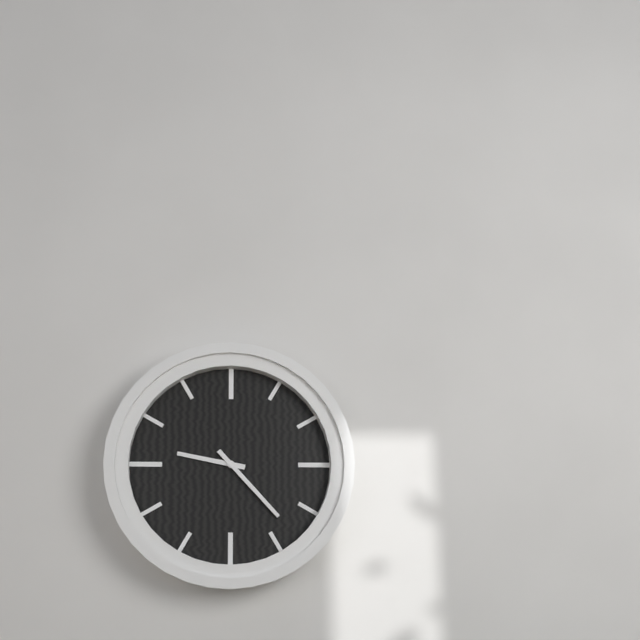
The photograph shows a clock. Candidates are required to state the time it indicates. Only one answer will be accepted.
9:23
